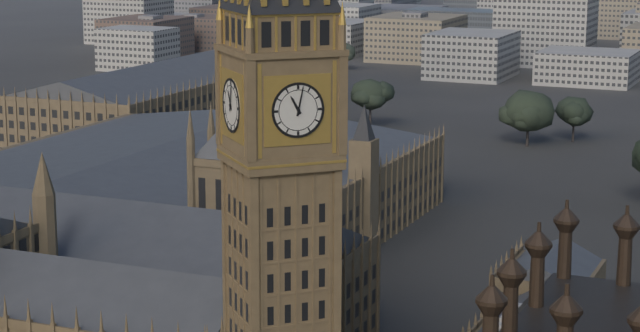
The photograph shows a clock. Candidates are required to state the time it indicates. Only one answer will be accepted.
11:02
